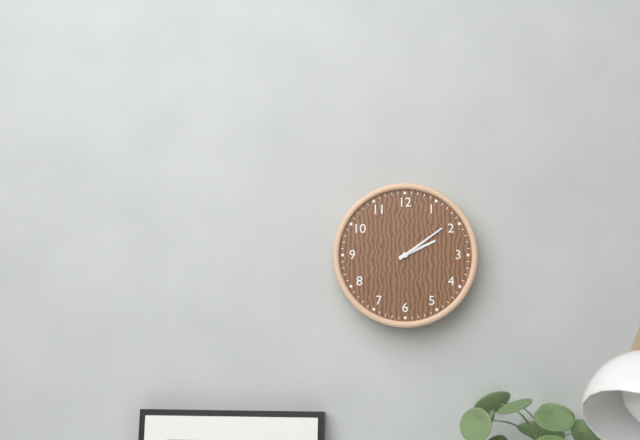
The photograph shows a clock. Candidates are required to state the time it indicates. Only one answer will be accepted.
2:09
